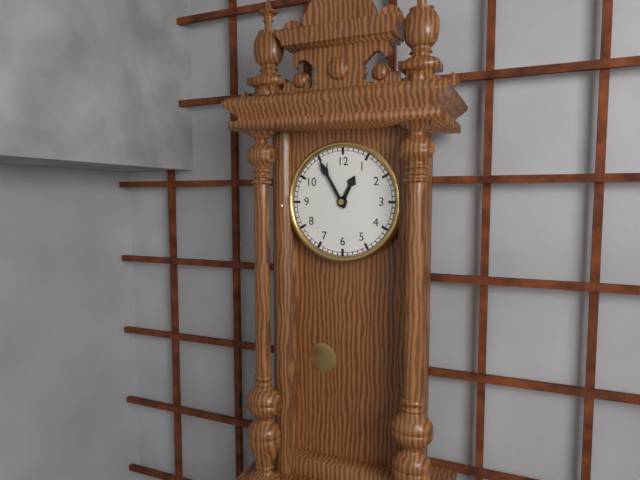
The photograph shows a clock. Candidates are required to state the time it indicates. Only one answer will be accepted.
12:55
